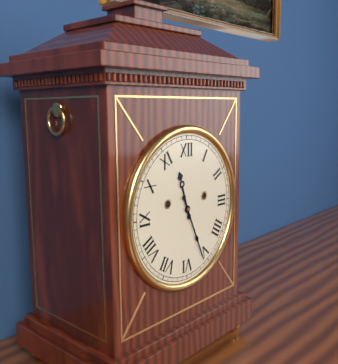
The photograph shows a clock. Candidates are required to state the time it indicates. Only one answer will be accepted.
11:26
